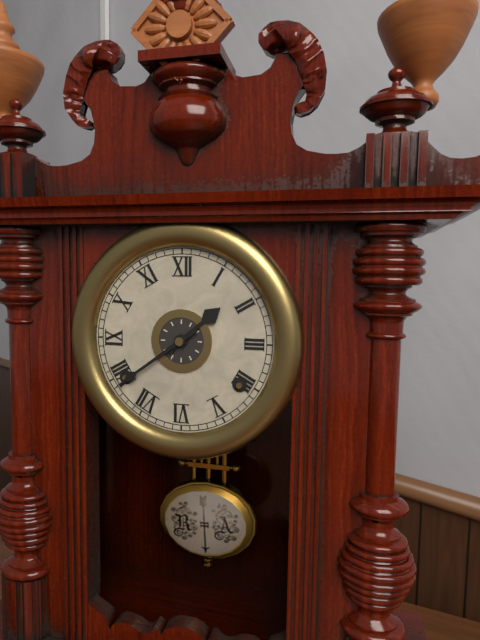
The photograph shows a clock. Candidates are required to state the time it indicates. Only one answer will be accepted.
1:39
